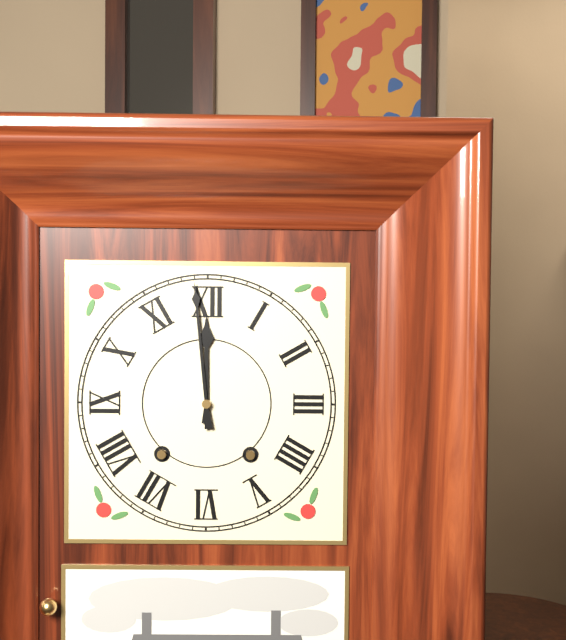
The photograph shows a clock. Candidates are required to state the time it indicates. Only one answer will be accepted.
11:59
